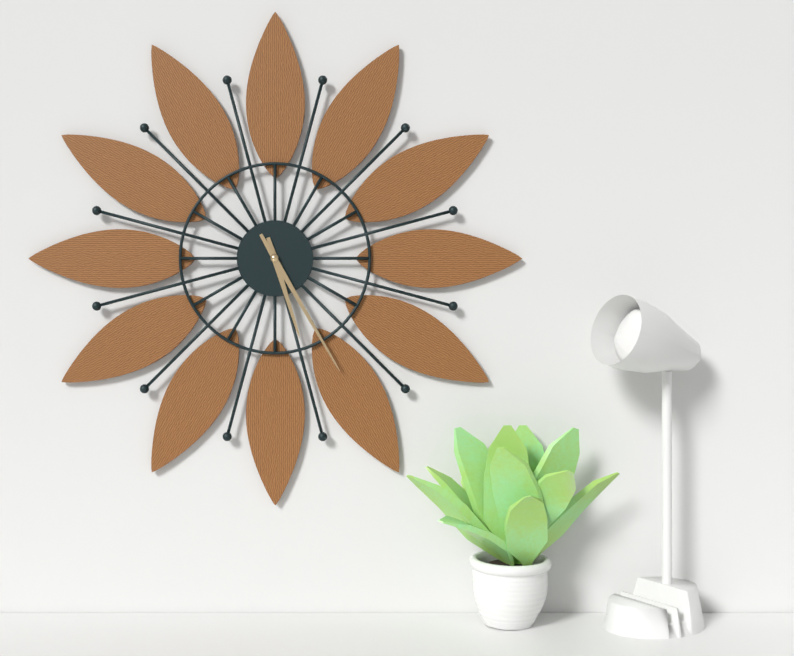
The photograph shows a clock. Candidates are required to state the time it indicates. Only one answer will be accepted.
5:25
